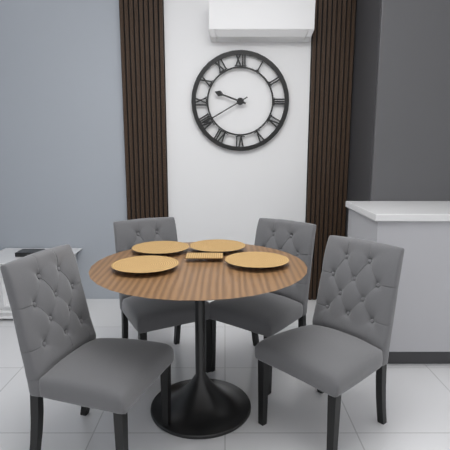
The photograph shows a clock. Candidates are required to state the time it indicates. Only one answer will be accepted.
9:40
